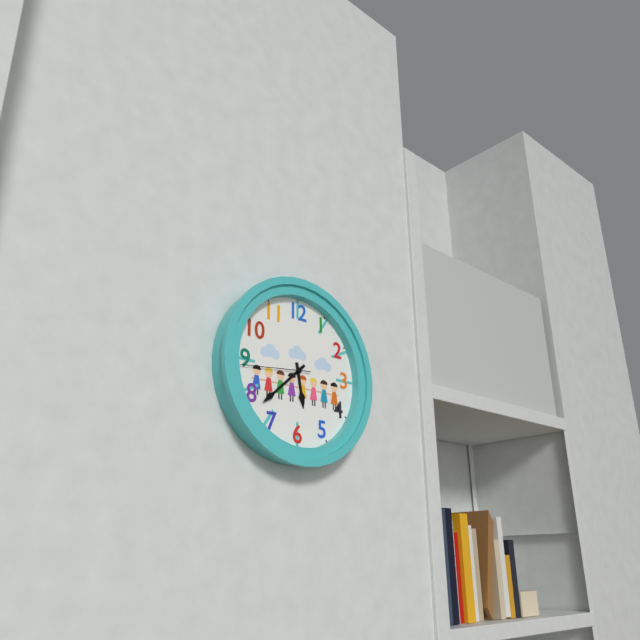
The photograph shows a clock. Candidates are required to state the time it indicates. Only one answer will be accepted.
5:38:44
